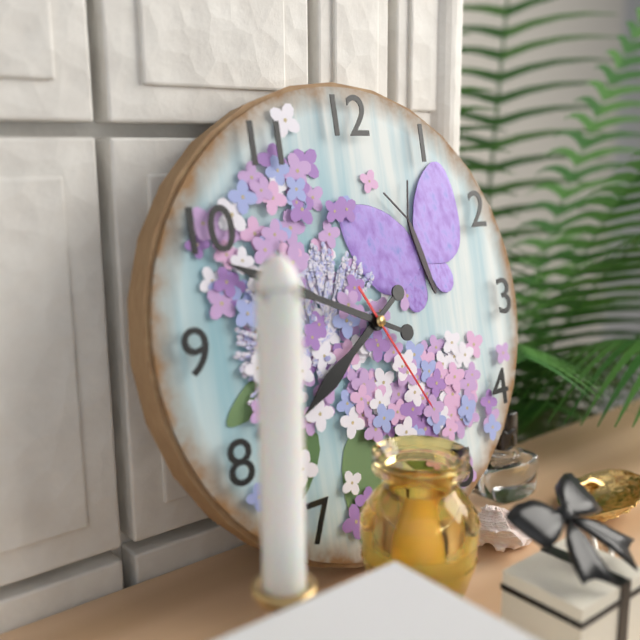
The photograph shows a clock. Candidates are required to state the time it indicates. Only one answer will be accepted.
7:49:25
